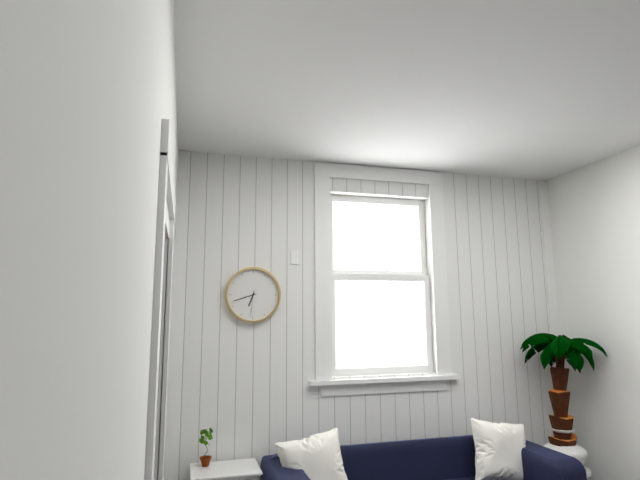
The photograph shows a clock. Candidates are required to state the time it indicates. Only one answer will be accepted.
6:42
